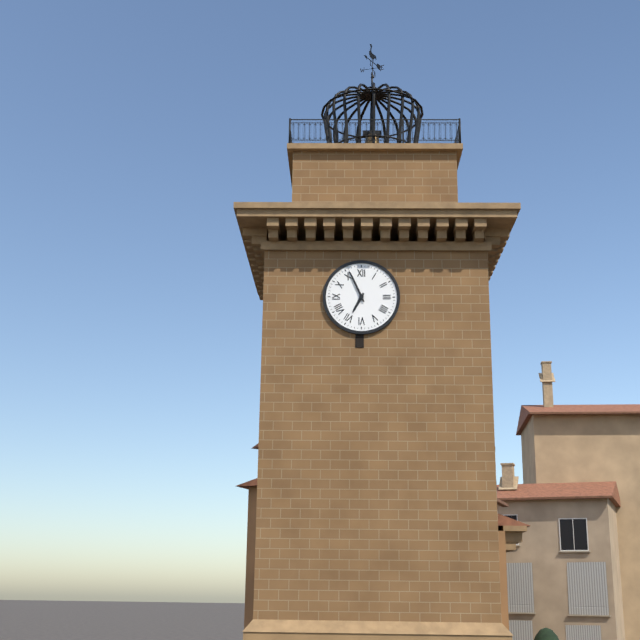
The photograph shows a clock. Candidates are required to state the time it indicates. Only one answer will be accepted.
6:56
